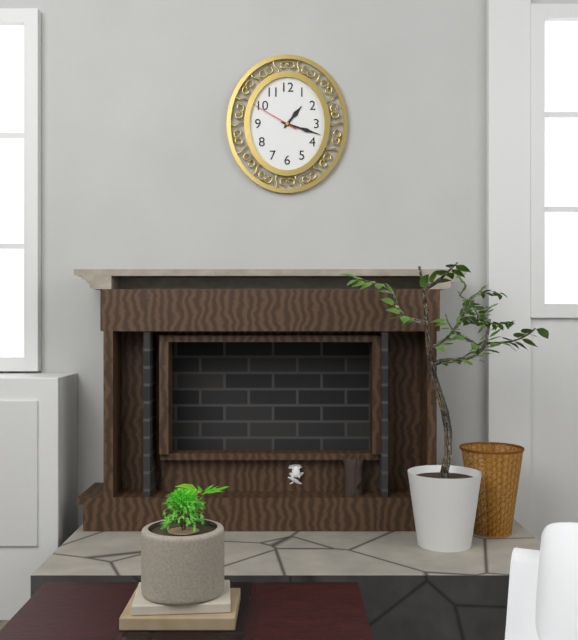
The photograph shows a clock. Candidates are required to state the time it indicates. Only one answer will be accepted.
1:18:50
